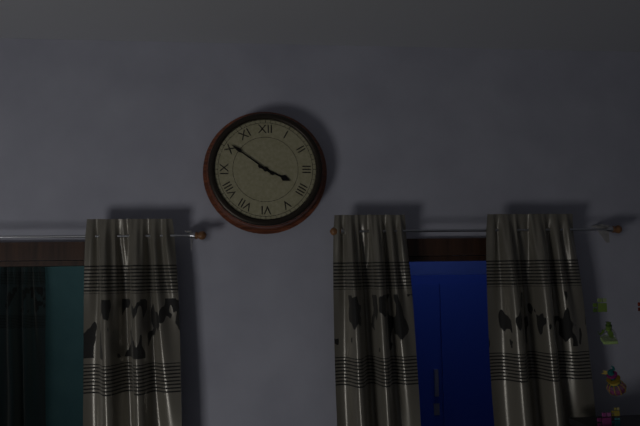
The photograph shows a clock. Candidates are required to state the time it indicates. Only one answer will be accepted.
3:51
